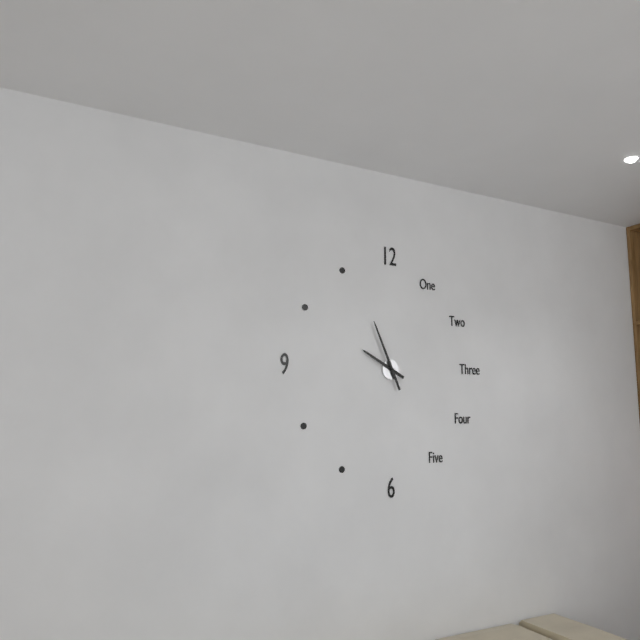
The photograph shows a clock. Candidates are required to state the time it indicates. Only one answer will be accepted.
9:56
